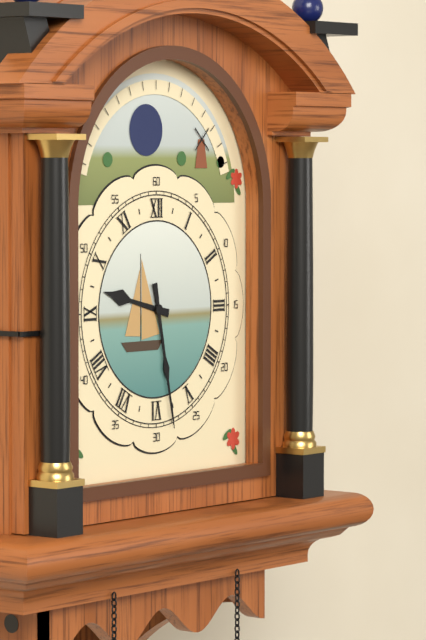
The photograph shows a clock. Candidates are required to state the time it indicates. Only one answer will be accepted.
9:28
